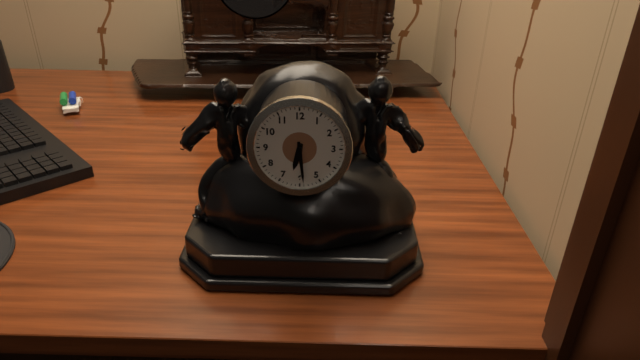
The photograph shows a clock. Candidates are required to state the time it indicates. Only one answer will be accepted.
6:29
